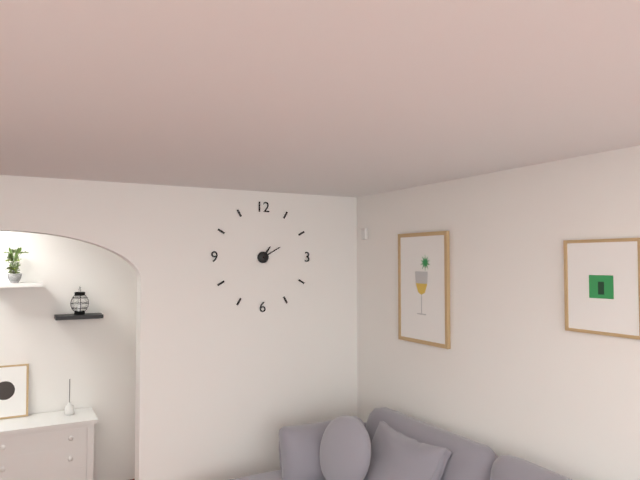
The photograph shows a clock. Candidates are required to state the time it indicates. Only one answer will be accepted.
1:10
